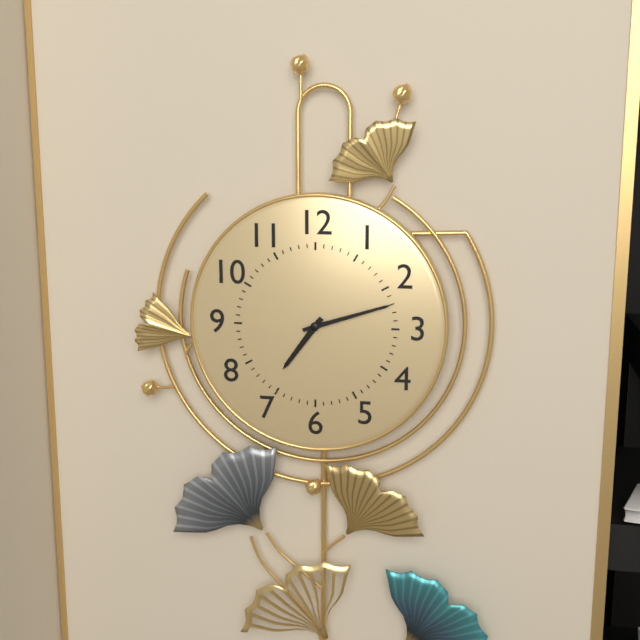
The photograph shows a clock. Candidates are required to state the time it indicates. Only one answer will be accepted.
7:12
